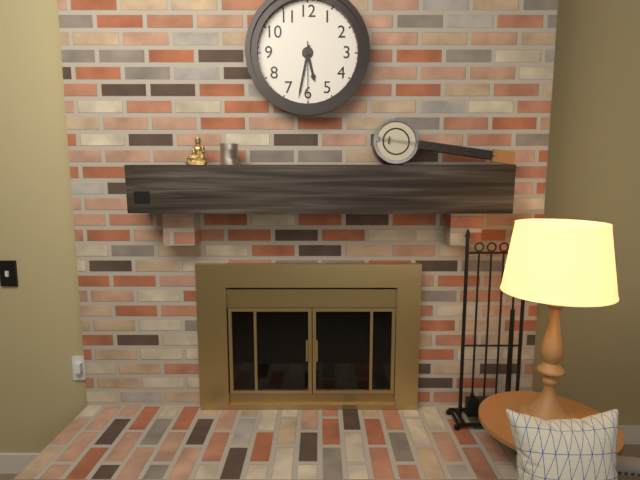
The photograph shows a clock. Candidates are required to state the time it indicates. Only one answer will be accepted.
5:32:30
